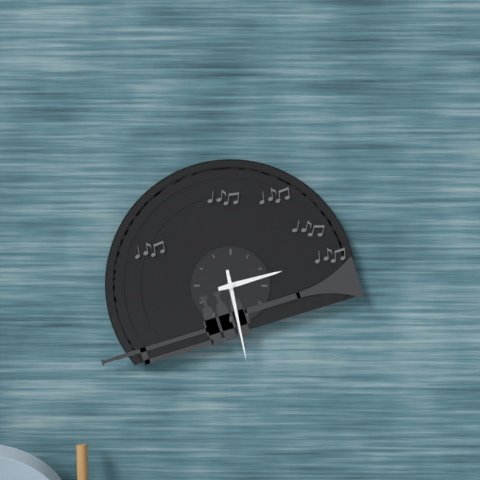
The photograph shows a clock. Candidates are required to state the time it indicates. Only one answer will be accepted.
2:28
